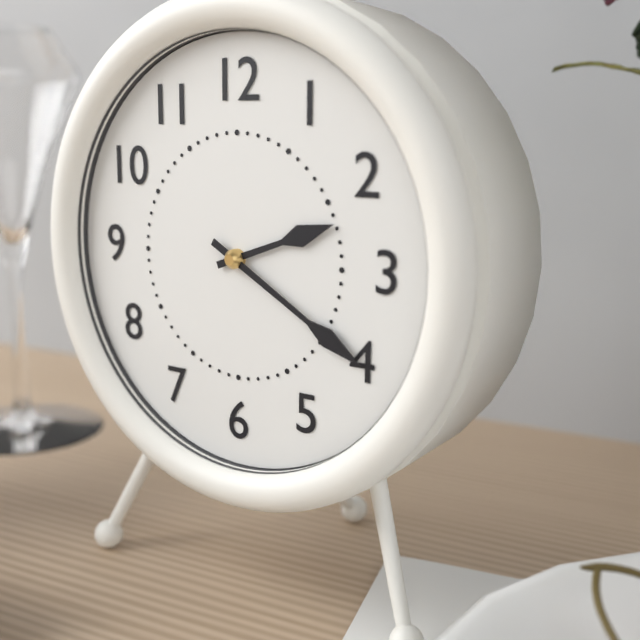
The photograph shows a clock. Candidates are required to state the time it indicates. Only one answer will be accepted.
2:20
